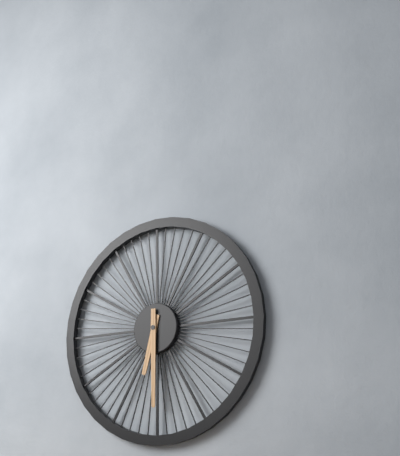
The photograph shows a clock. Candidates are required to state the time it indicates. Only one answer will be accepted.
6:30
